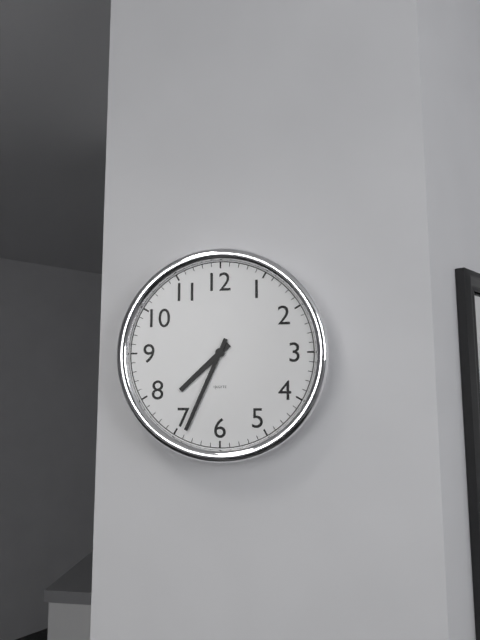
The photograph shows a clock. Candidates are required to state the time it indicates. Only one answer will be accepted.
7:34
